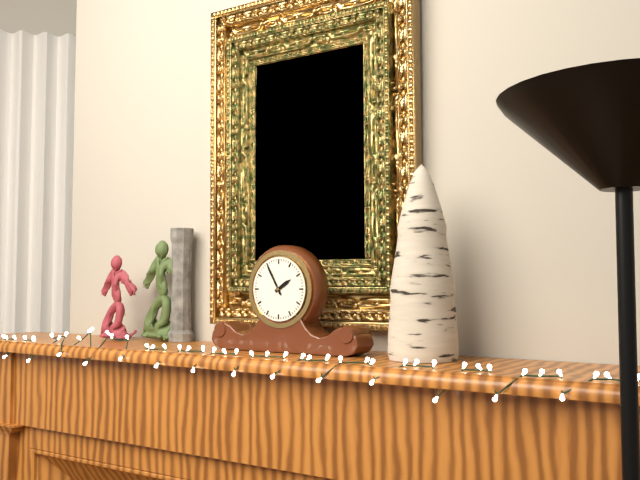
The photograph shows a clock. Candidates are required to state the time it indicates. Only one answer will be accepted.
1:55
